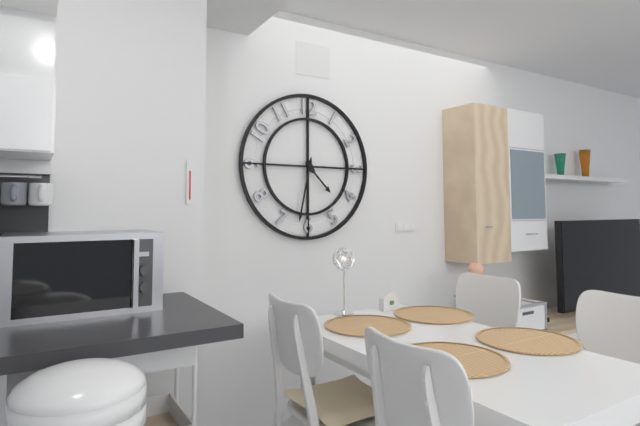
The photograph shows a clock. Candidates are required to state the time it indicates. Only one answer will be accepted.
4:32
